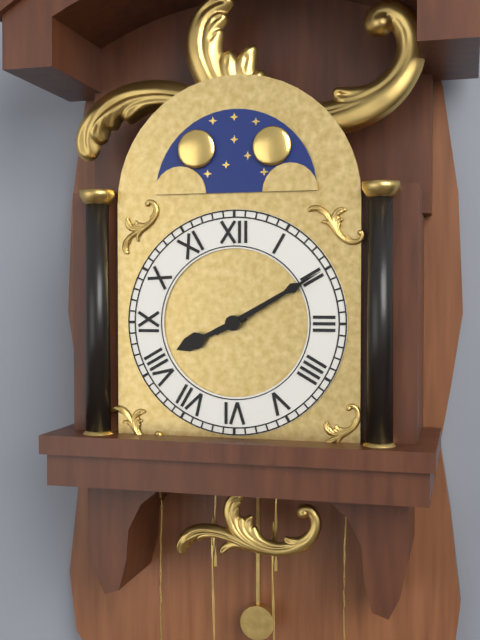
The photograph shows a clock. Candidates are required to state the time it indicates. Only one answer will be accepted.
8:10
